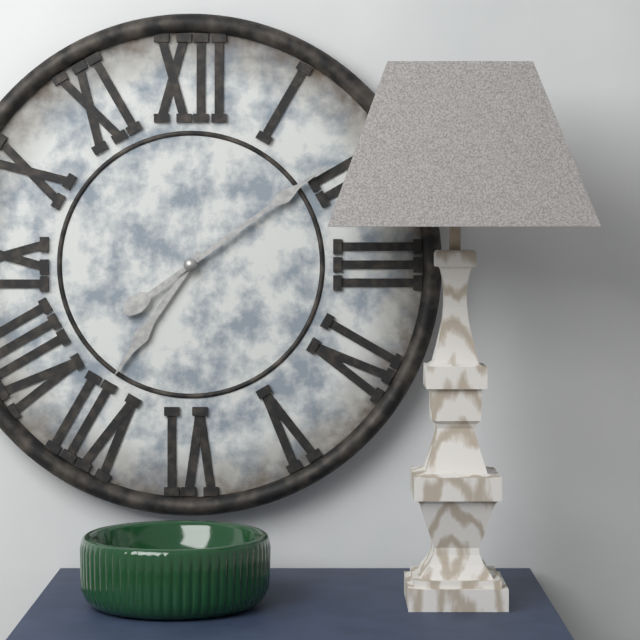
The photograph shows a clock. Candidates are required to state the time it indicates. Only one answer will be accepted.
7:09
